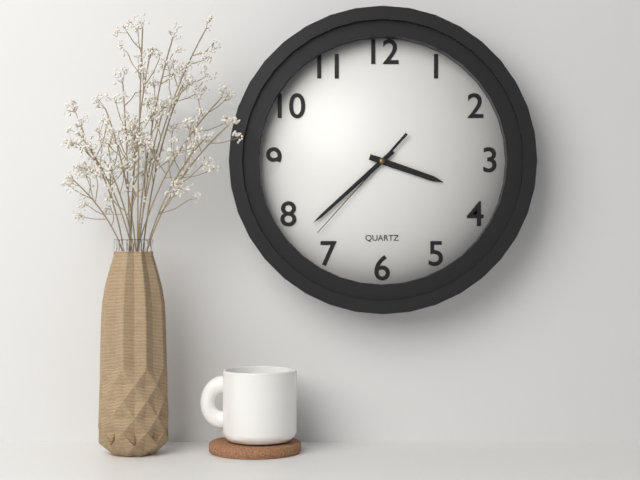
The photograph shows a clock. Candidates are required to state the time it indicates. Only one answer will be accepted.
3:38:37
